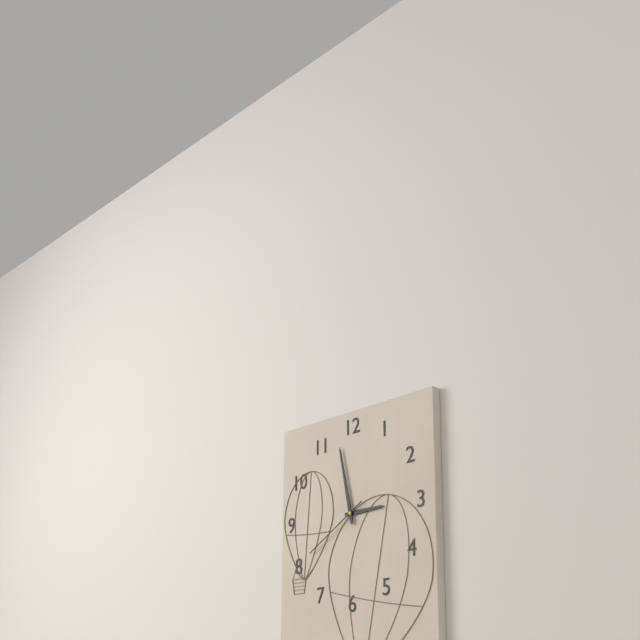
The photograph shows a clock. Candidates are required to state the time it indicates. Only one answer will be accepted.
2:58:40
